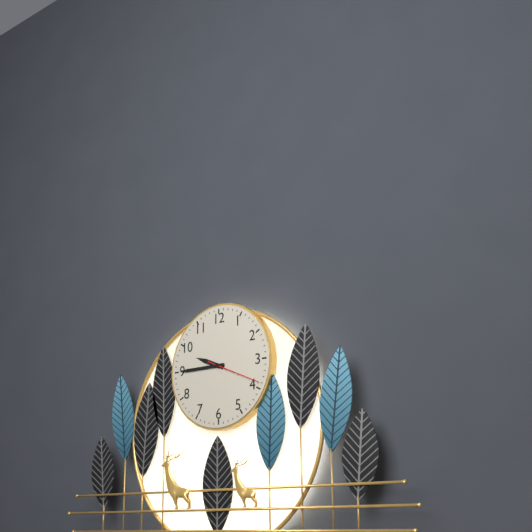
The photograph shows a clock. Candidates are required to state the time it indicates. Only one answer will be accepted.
9:45:19
